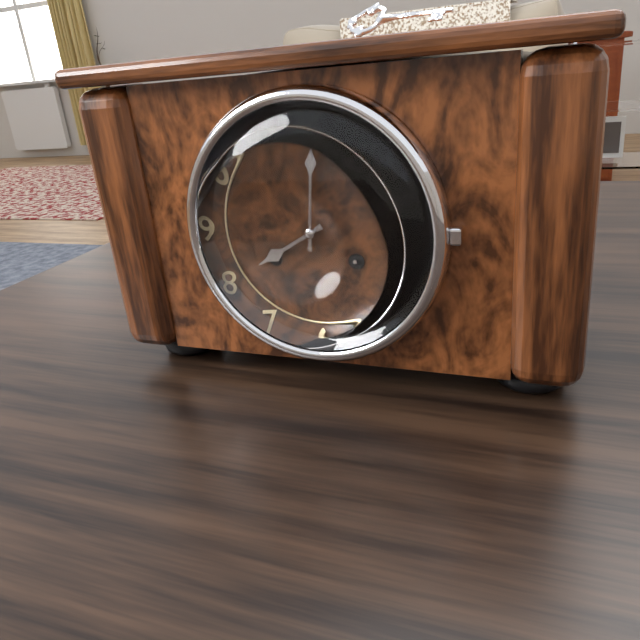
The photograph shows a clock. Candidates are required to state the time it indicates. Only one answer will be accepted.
8:01
